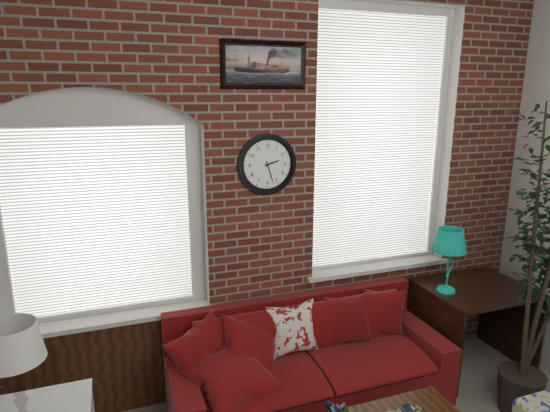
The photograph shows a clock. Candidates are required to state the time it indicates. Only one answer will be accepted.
2:27
